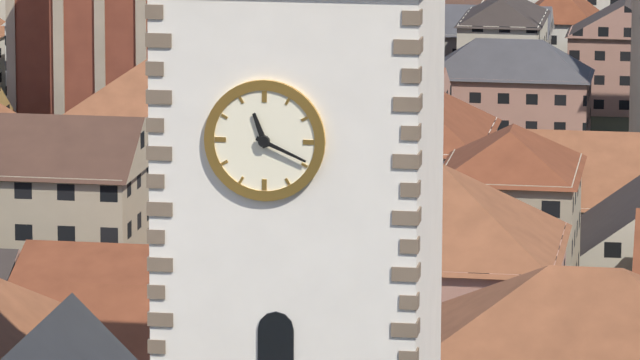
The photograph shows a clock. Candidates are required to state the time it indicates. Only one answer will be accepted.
11:19
